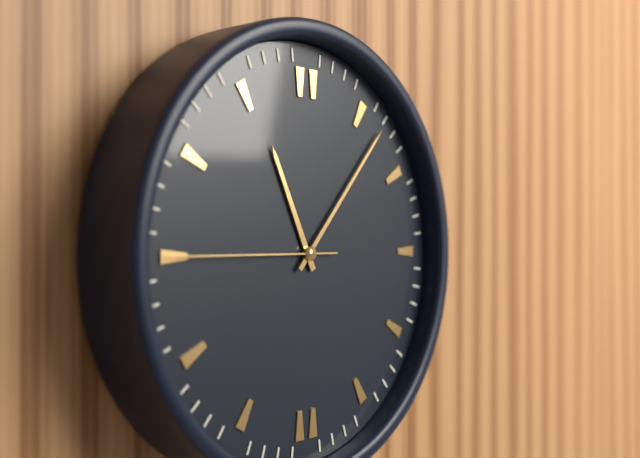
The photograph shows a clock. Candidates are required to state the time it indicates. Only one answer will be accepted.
11:07:45
